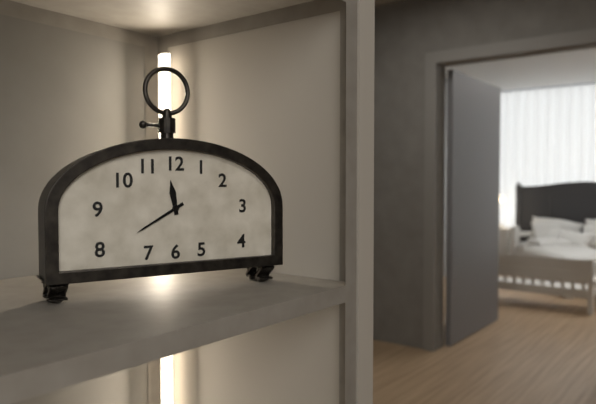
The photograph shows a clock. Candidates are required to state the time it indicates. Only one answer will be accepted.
11:40
